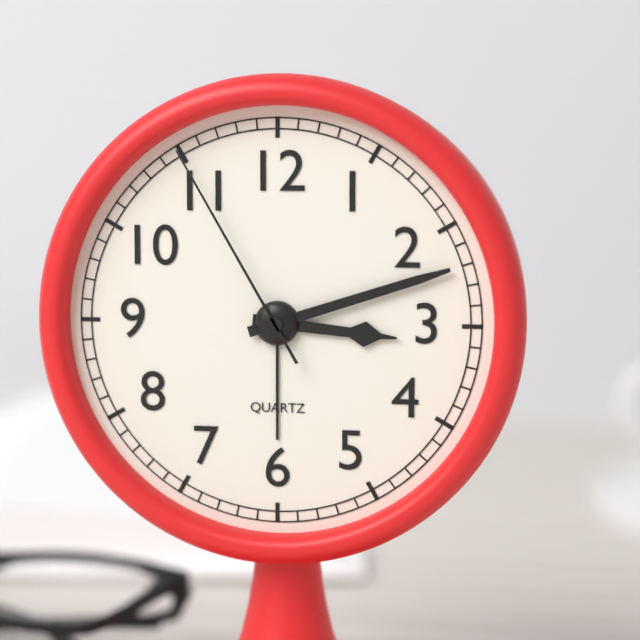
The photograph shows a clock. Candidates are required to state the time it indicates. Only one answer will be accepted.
3:12:55
